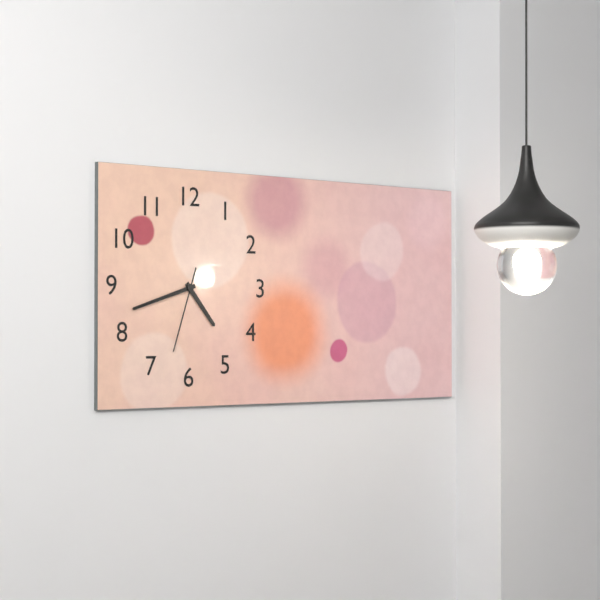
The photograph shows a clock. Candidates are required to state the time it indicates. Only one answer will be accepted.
4:42:33
